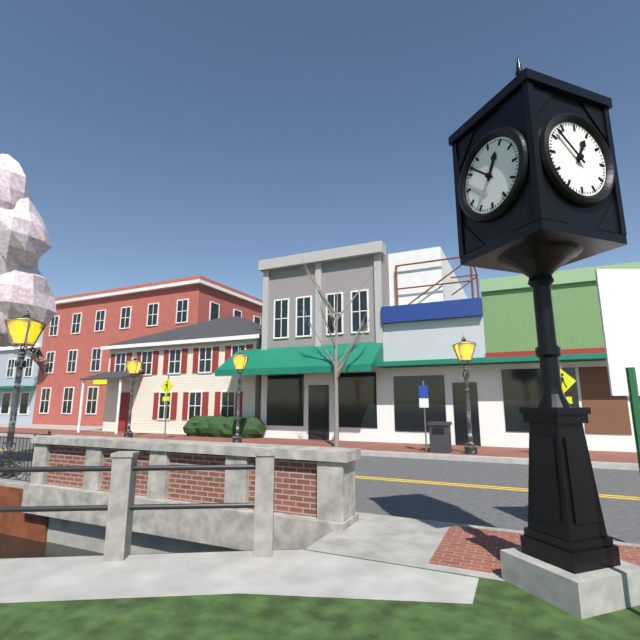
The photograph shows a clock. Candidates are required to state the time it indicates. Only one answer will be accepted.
12:52
